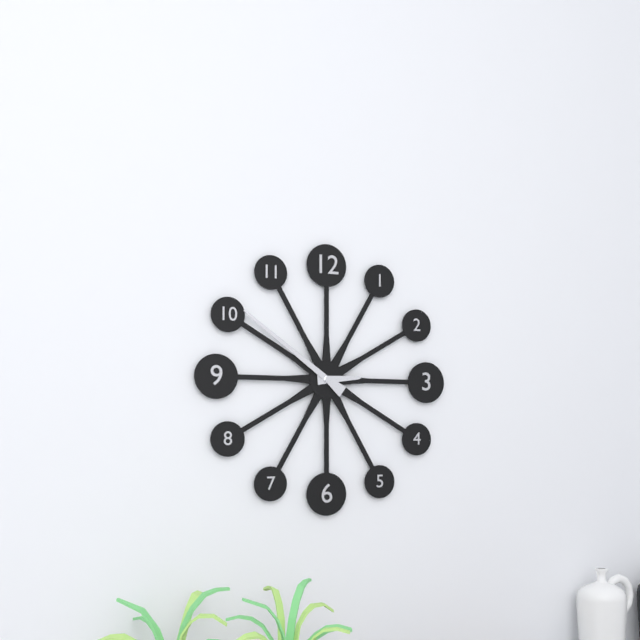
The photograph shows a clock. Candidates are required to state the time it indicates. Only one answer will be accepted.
2:51
